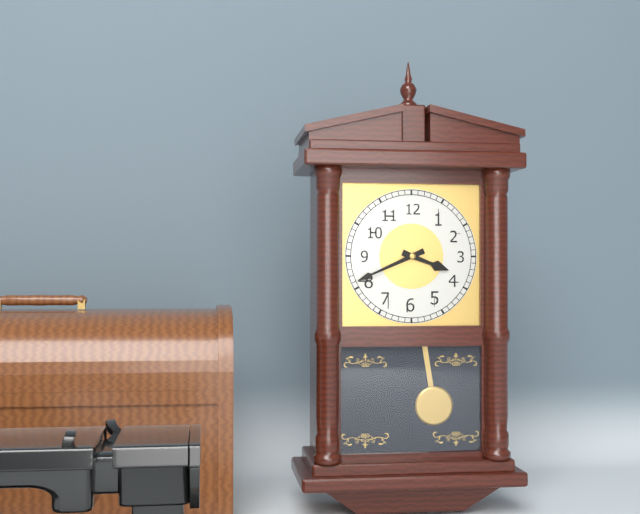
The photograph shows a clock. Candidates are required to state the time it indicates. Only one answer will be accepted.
3:41
